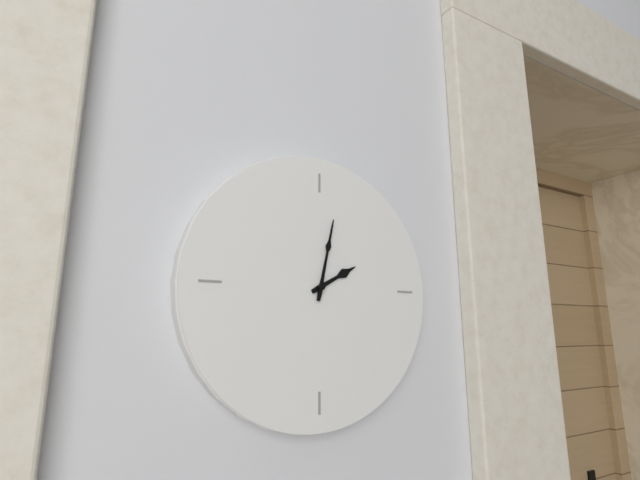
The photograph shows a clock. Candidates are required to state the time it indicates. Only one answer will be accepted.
2:02
